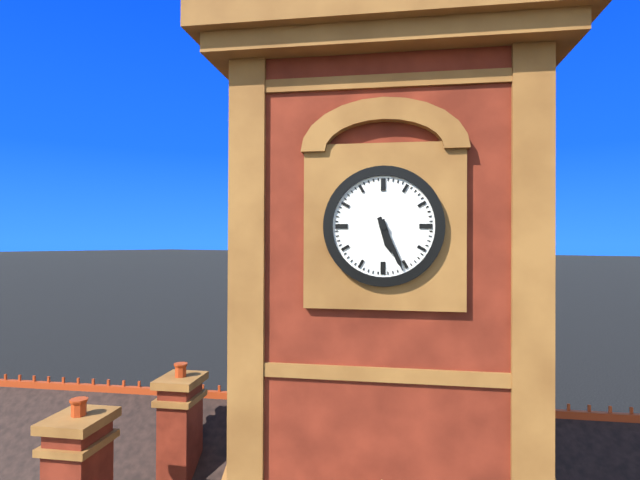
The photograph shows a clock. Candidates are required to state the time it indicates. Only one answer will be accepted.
5:26
